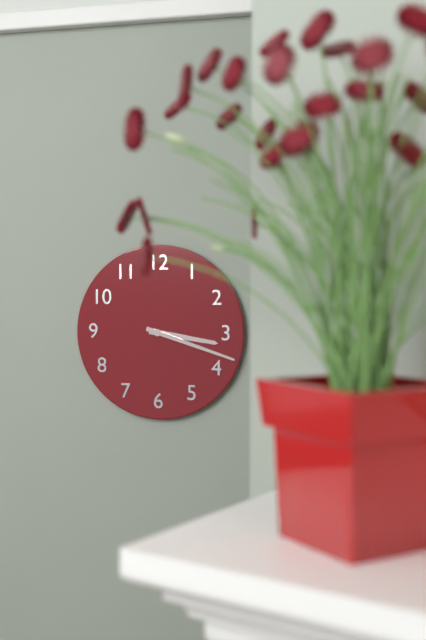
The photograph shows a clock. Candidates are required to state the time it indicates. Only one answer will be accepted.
3:18
